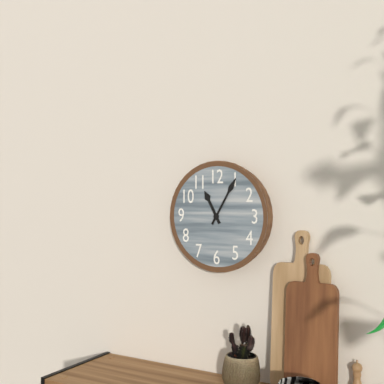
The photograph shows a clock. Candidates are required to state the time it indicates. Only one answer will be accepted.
11:05
